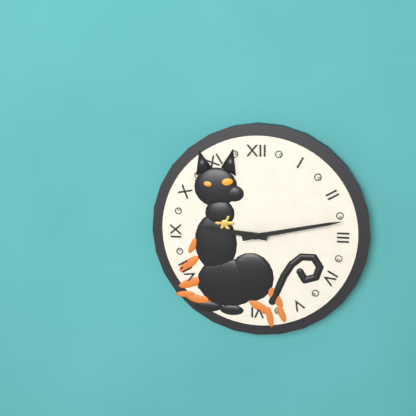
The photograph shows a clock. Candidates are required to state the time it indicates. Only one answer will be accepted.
9:13
